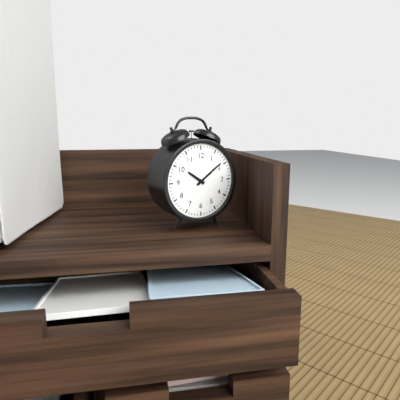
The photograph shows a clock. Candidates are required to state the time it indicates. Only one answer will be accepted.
10:09
